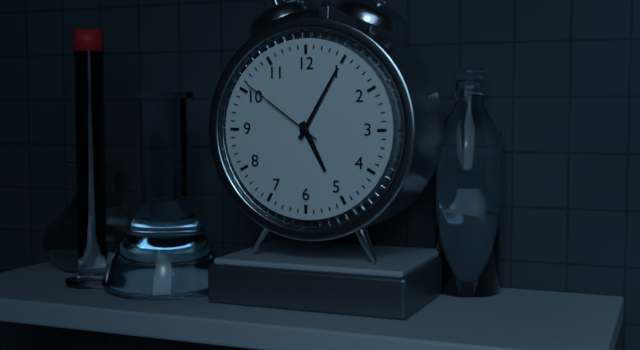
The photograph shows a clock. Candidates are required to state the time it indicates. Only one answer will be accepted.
5:05:51
